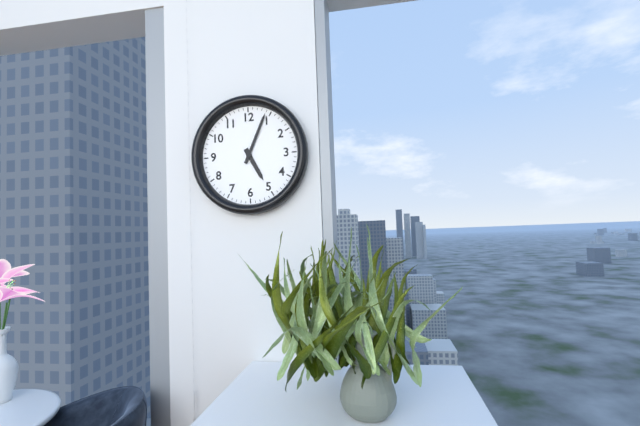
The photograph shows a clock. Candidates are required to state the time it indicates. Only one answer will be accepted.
5:04
